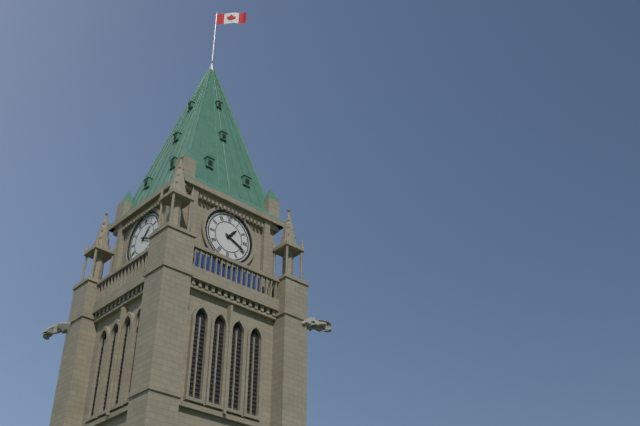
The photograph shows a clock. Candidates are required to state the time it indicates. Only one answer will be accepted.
1:19
